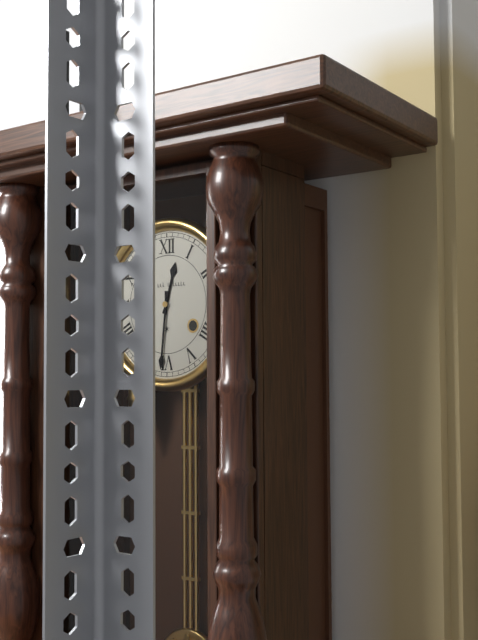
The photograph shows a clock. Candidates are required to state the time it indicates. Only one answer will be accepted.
12:31
